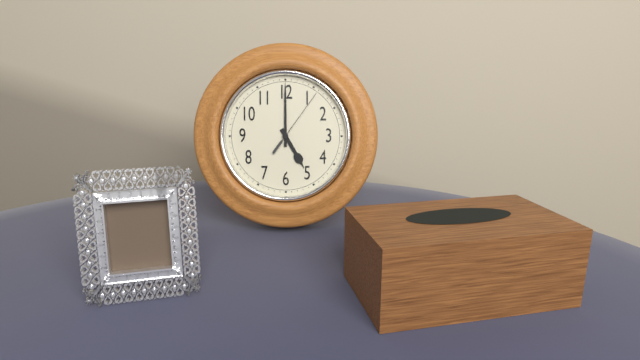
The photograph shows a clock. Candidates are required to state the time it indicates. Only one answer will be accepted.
5:00:06
